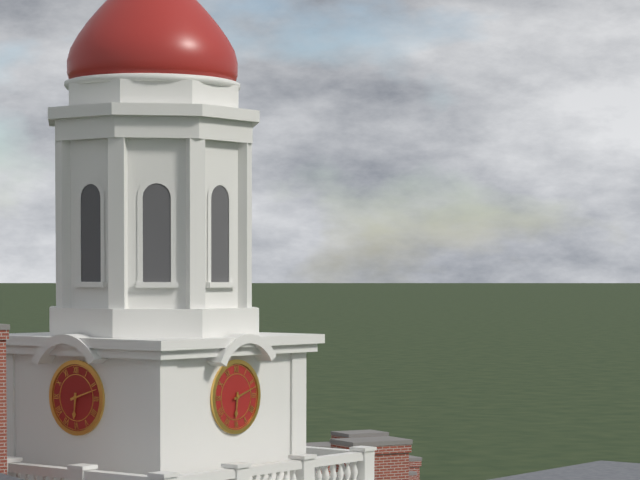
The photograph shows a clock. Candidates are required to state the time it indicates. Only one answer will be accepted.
6:12
